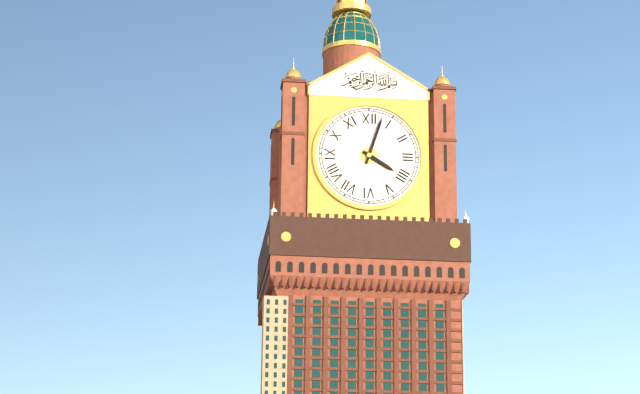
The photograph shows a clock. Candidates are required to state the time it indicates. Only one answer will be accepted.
4:03
